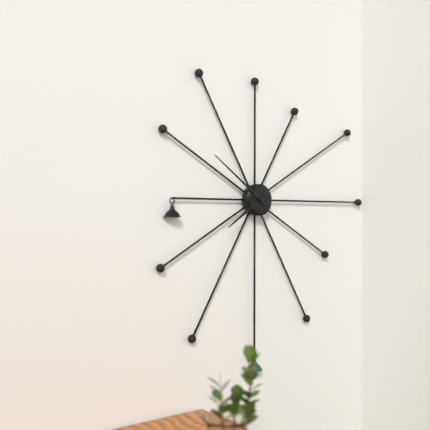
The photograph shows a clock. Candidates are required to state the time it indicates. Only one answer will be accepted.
7:51
